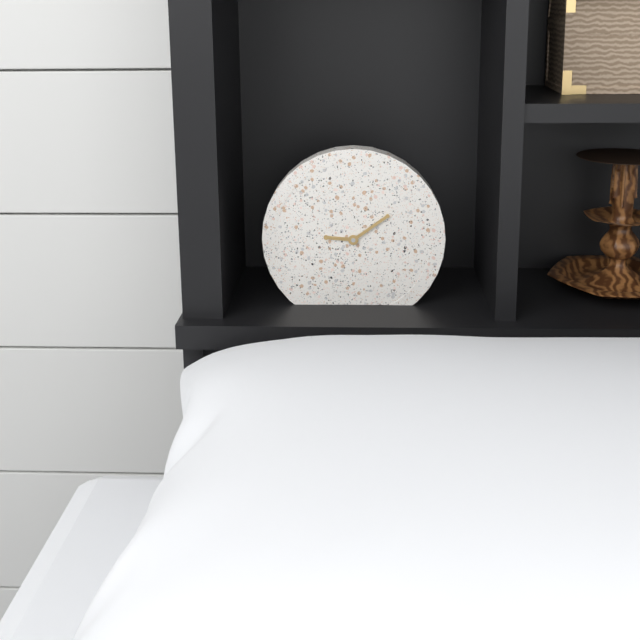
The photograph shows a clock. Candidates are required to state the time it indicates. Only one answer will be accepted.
9:09
